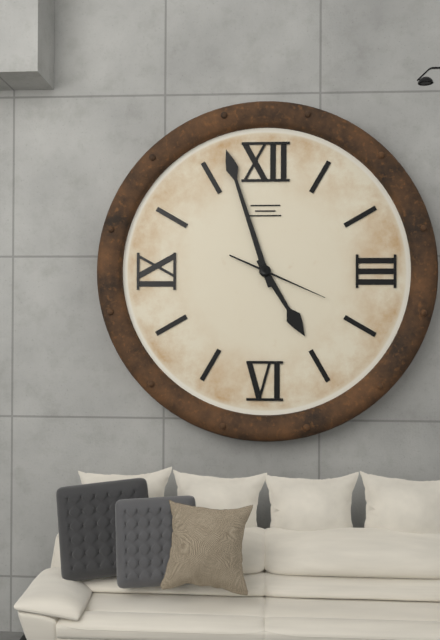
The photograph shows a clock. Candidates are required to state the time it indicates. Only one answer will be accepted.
4:57:19
